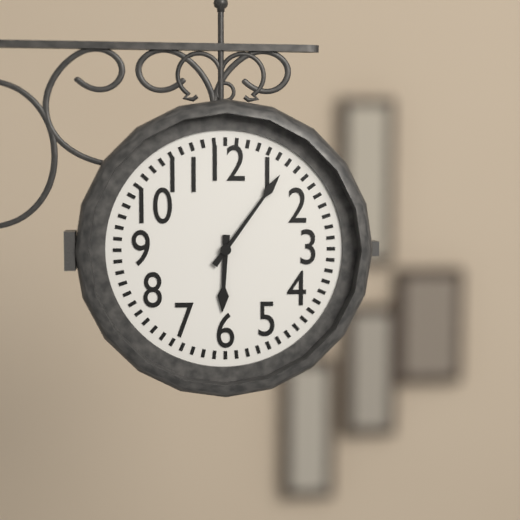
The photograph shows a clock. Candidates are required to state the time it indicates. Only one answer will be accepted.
6:06
